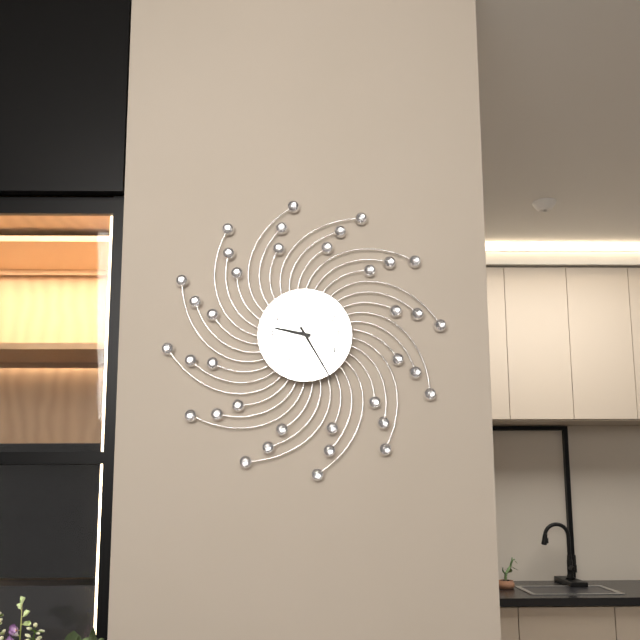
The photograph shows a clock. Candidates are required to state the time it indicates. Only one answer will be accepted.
9:25
